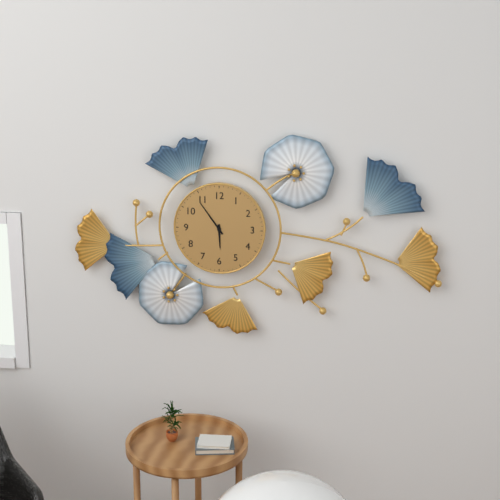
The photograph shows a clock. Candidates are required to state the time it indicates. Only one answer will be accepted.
5:54
